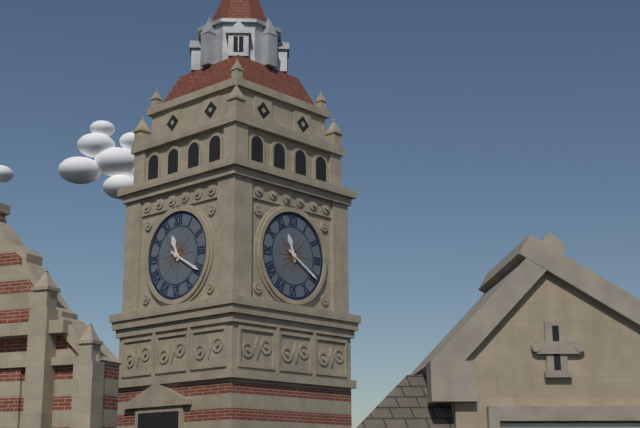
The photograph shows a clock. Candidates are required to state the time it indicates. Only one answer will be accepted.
11:20
